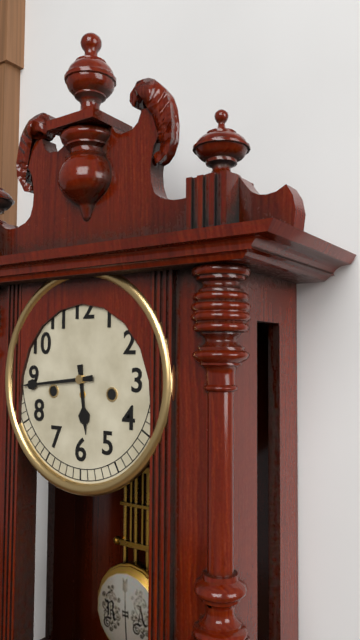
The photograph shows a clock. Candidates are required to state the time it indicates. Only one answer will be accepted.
5:44
